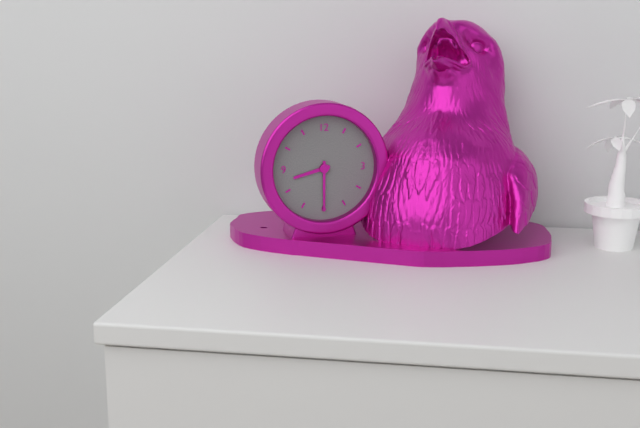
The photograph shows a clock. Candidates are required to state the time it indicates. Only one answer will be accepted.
8:30
